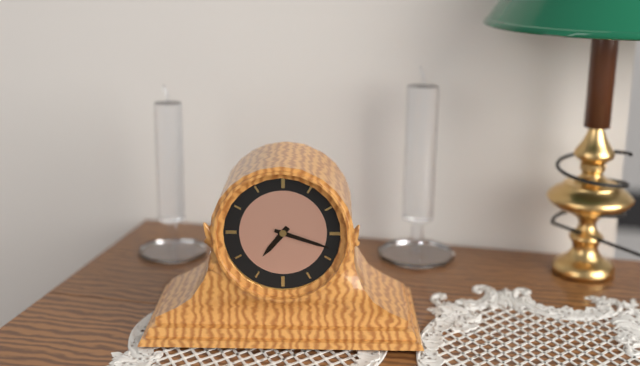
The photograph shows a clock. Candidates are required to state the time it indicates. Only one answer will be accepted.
7:18
